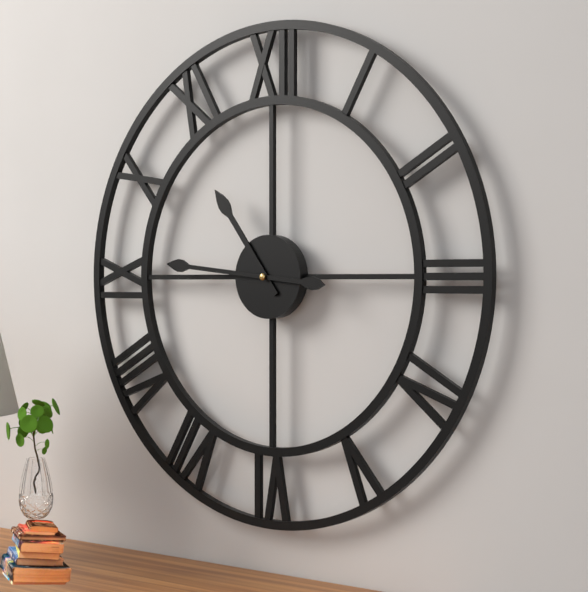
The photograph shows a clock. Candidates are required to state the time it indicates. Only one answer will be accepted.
10:46
